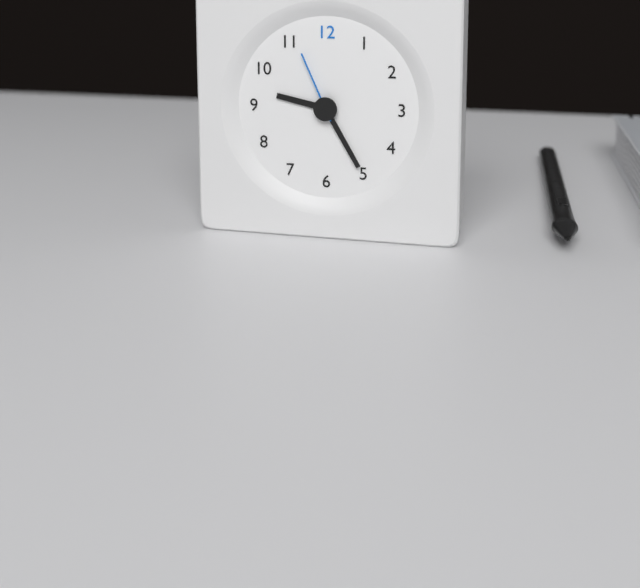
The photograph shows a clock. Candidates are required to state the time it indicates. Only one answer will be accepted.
9:25:56
